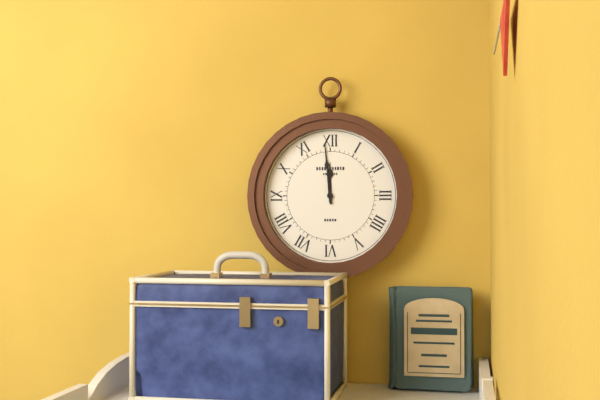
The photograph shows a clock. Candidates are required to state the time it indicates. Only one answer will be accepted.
11:59
